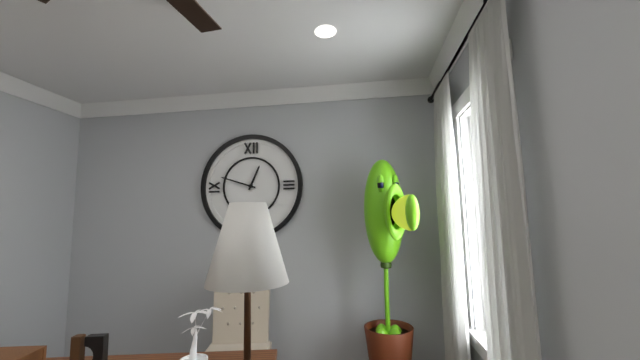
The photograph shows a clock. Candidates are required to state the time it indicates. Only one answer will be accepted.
12:48
